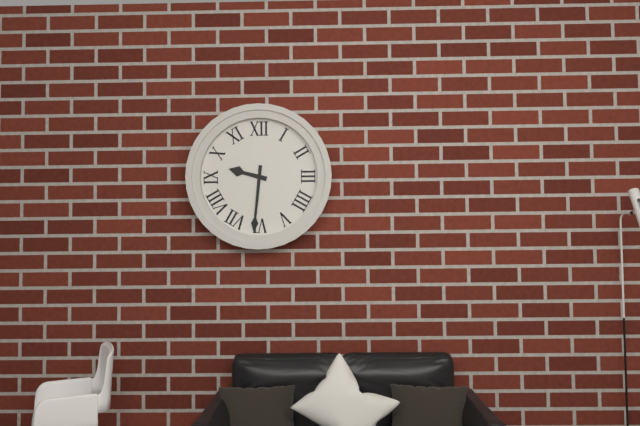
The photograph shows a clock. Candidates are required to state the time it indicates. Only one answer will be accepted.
9:31
